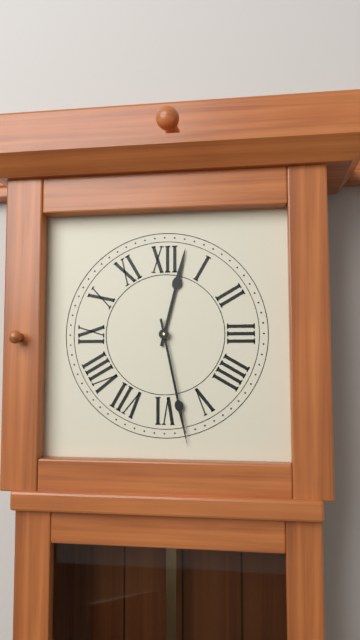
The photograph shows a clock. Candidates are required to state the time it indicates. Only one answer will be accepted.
12:28
